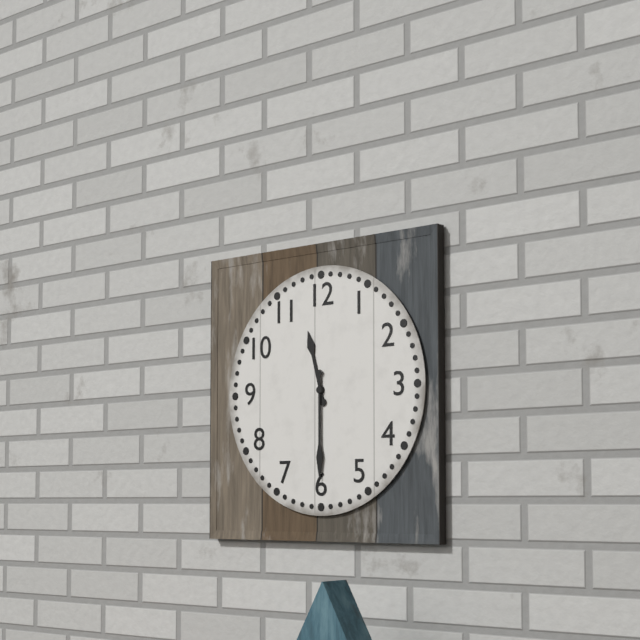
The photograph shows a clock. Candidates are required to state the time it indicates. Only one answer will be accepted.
11:30
